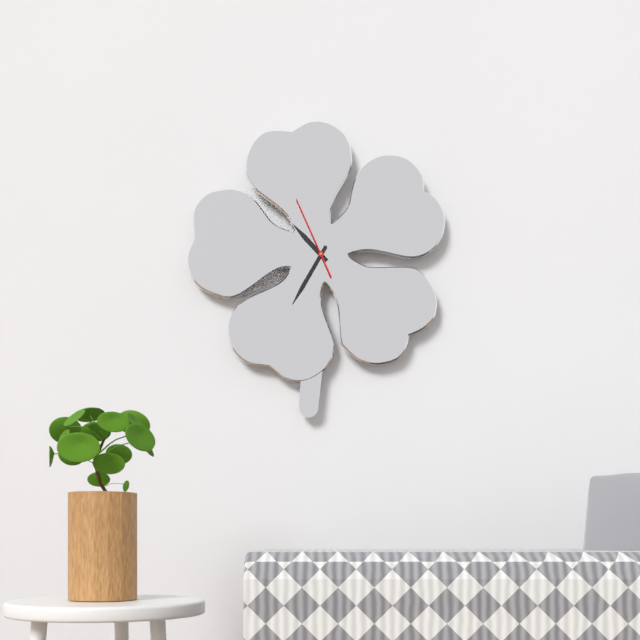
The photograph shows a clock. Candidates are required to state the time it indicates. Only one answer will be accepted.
10:35:56
